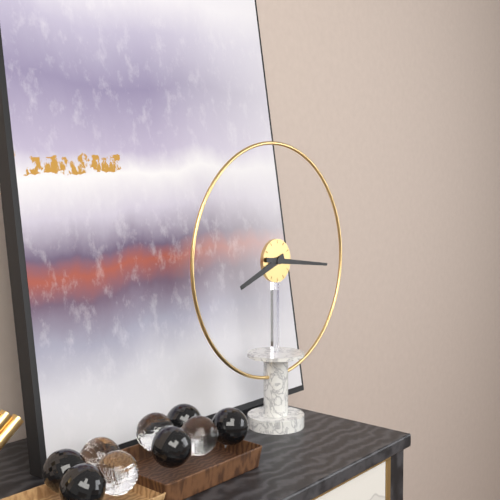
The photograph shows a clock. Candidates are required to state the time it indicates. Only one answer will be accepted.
8:16
